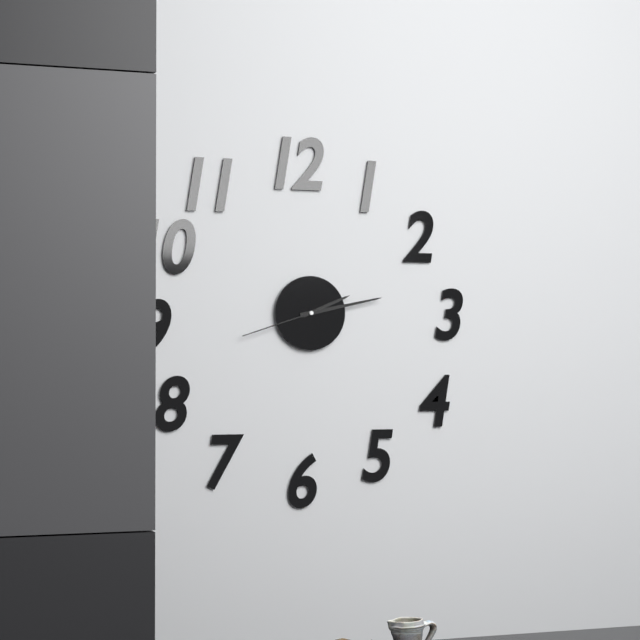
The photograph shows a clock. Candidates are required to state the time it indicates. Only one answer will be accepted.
2:13:42
